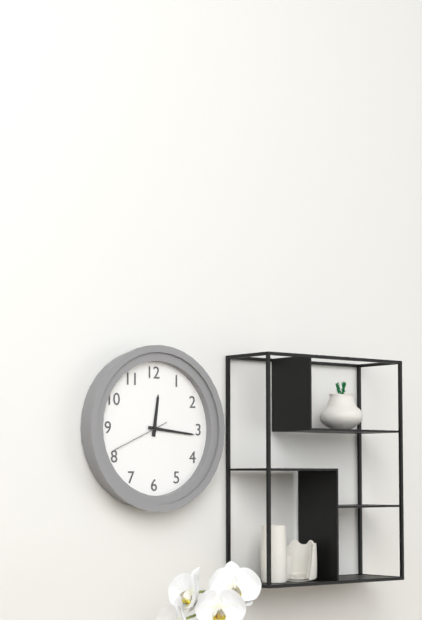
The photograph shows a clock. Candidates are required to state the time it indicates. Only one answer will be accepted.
12:16:41
